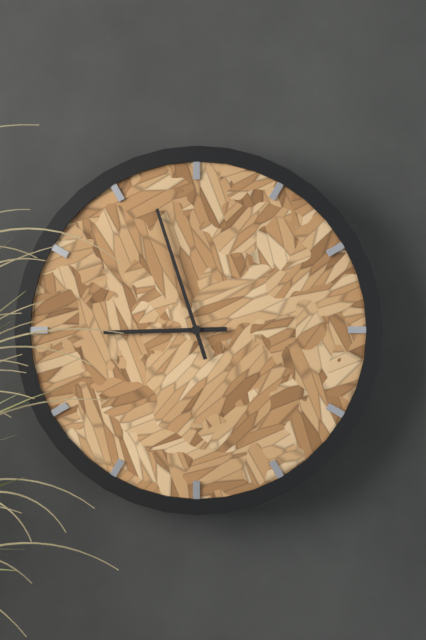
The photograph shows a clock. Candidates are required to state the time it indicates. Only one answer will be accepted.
8:57
